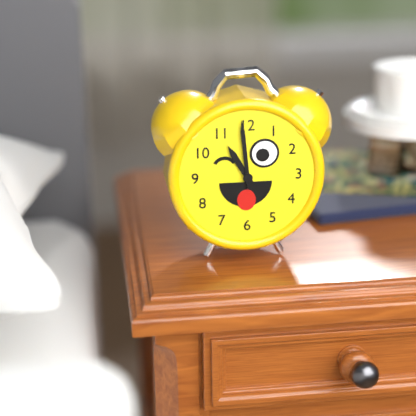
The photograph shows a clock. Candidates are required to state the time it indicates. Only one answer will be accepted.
10:59
